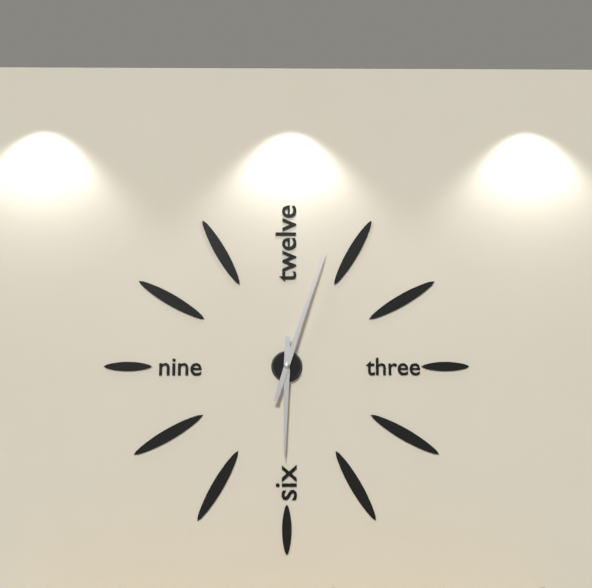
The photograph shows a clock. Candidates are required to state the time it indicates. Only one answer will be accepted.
6:03
